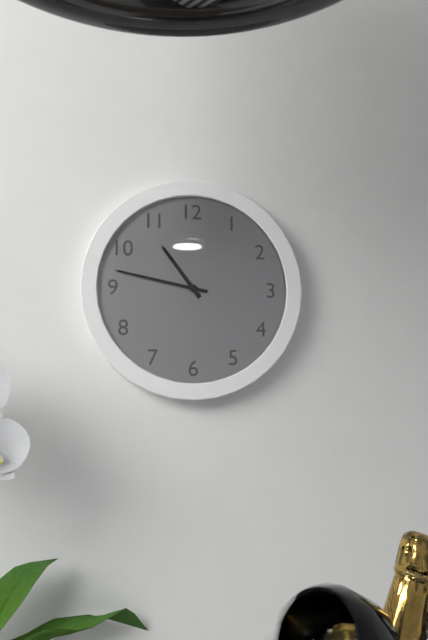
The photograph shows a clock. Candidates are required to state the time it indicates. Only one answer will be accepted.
10:47
